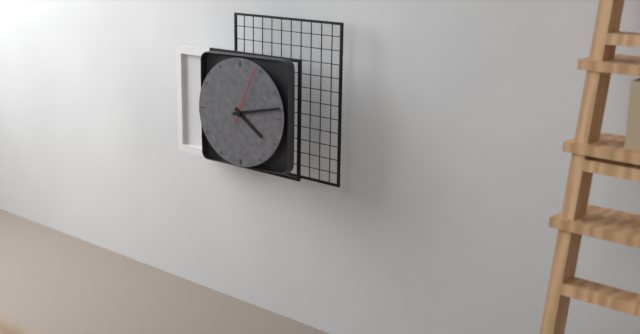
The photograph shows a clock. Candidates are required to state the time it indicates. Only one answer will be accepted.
4:13:04
